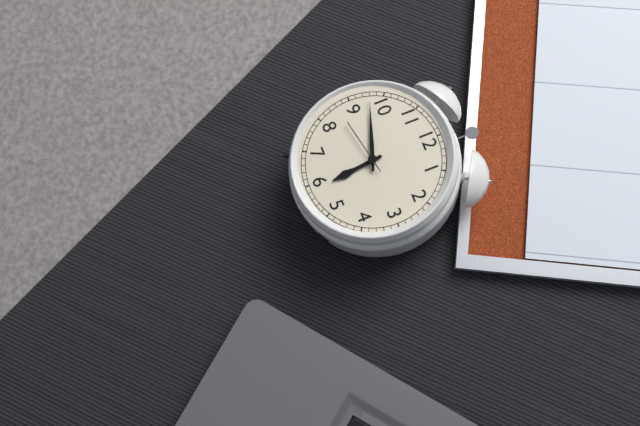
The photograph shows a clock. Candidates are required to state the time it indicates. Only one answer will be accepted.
5:48:43
